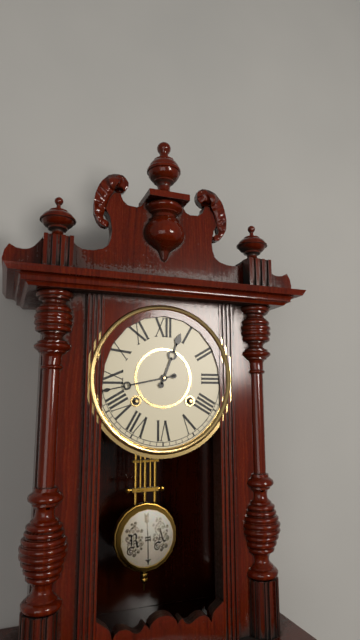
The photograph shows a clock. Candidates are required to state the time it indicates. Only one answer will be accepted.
12:43
